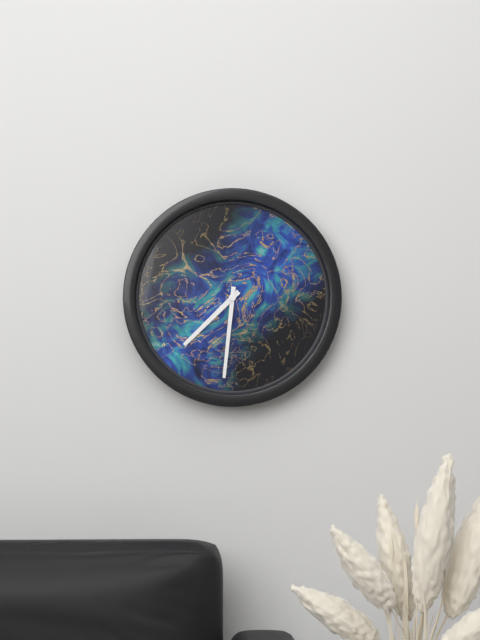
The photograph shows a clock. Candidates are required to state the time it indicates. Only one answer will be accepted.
7:31
